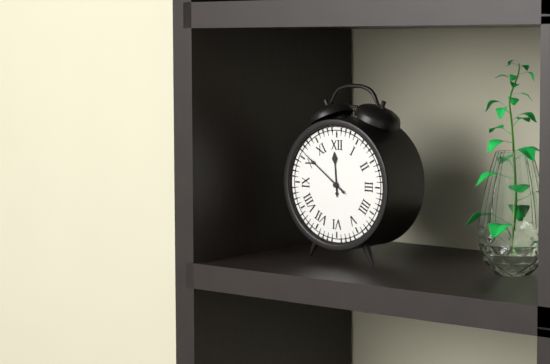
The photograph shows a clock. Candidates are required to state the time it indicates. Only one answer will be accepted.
11:51
